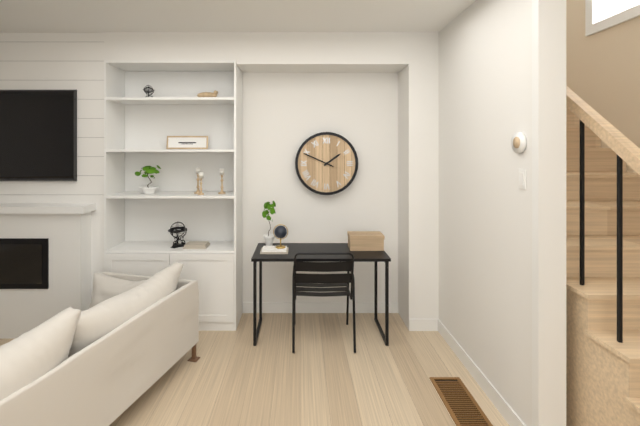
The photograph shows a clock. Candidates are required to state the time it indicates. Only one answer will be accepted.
1:49
